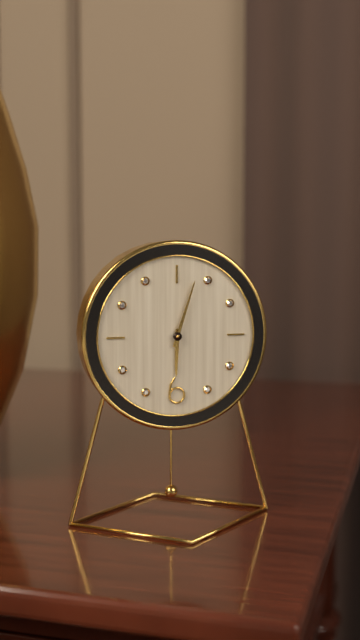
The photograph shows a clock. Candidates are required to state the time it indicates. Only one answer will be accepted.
6:03
